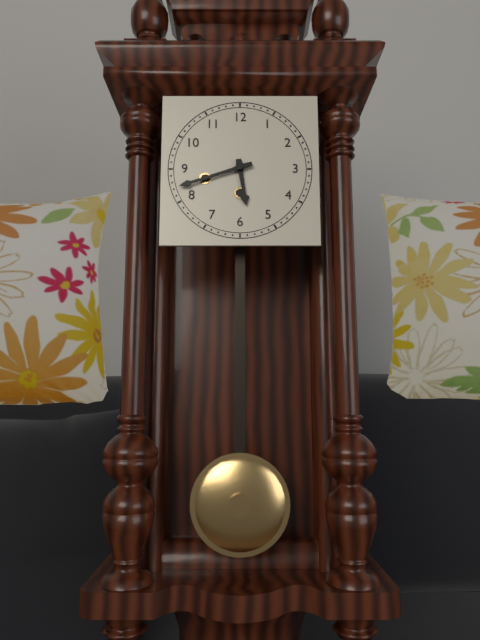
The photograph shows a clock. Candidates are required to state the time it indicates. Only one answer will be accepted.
5:42
